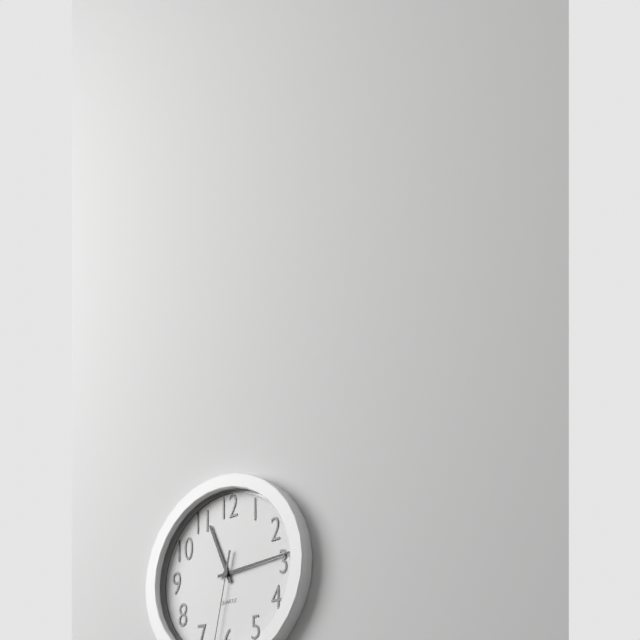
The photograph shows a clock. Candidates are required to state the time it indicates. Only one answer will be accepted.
11:14
